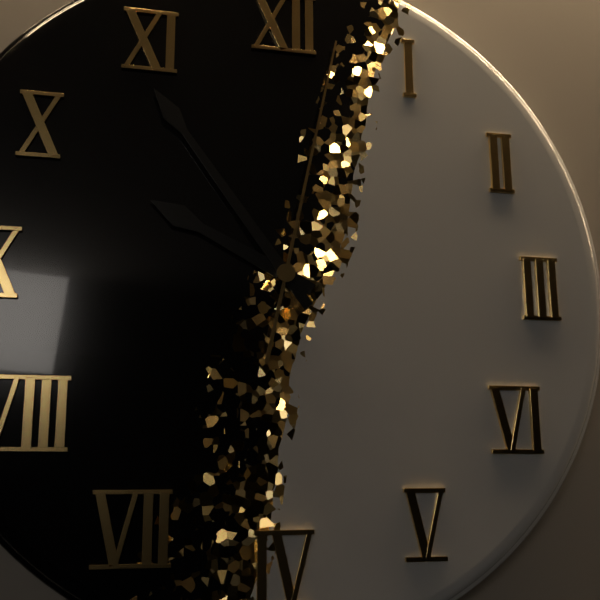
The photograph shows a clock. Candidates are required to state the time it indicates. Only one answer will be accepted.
9:54:02
